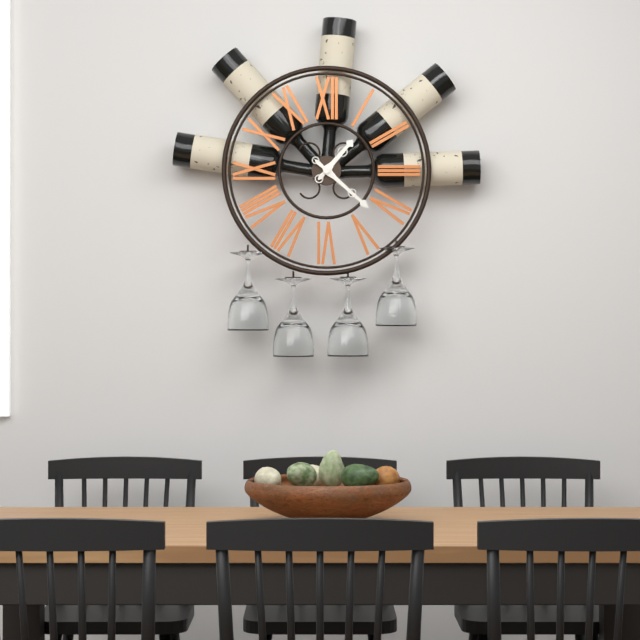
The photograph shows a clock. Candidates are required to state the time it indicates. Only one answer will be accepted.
1:22
